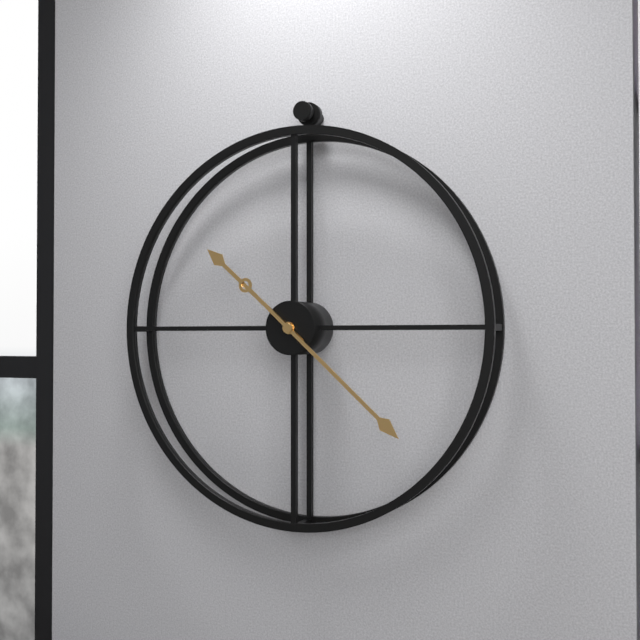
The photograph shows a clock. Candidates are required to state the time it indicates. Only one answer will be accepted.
10:22
